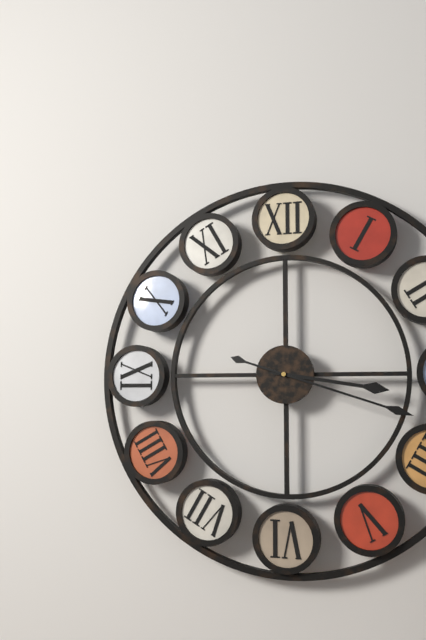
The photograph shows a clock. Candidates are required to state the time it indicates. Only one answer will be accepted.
3:18
